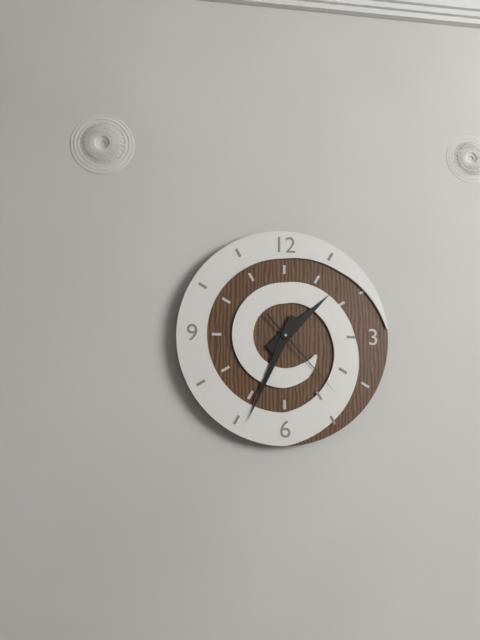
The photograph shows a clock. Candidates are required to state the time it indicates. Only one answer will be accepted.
1:34:23
